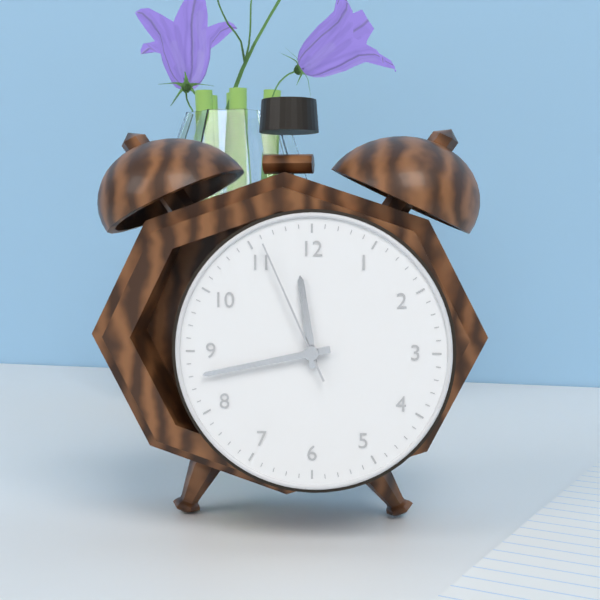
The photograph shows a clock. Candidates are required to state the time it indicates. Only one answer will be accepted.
11:43:56
